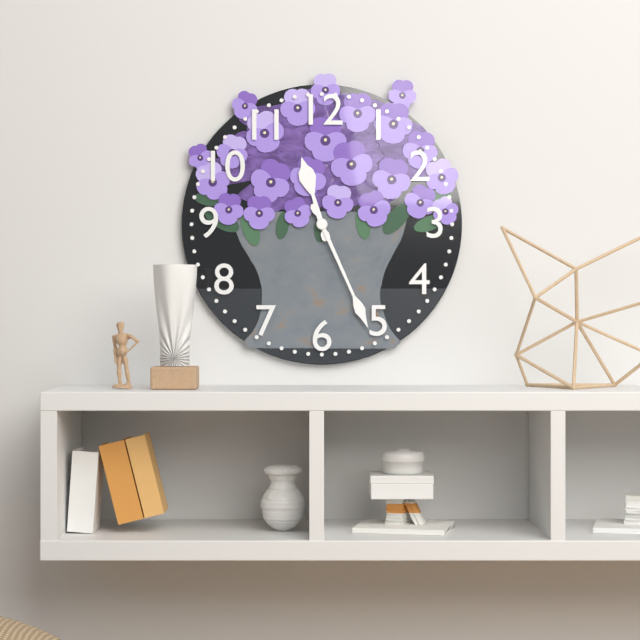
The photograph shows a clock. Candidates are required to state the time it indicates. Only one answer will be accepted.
11:26
